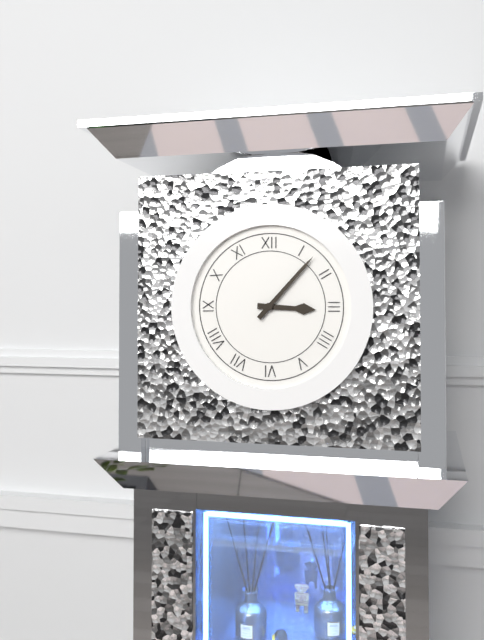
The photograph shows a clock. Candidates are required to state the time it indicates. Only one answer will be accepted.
3:07
